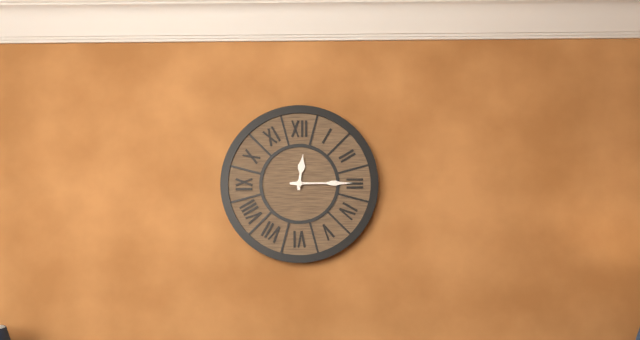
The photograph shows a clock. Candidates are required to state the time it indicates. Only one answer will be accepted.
12:15
